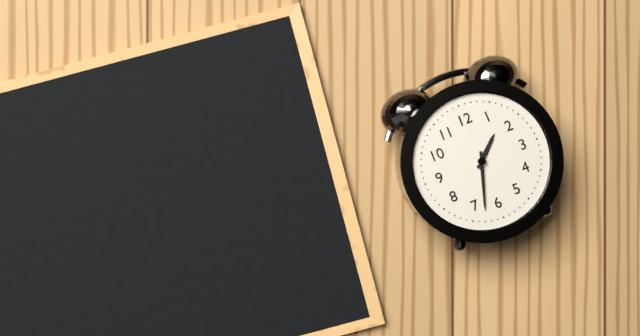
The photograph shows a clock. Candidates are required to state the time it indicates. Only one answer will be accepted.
1:33
